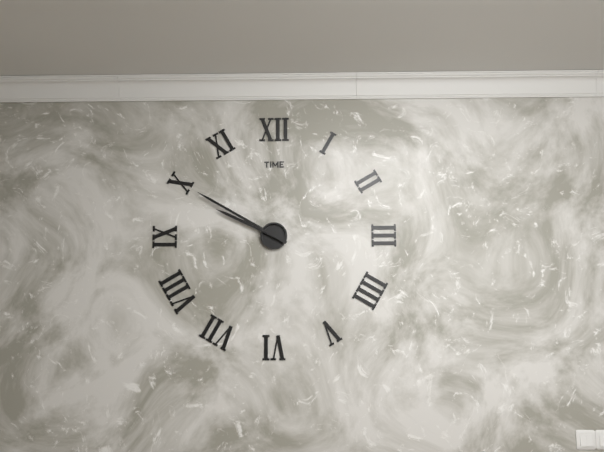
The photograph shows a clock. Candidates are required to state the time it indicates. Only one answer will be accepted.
9:50
